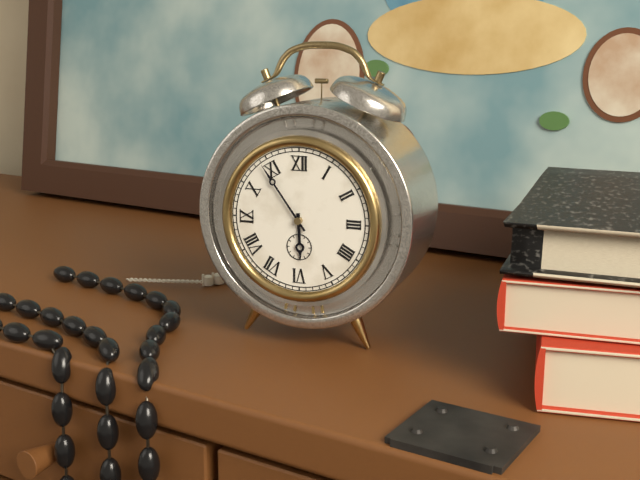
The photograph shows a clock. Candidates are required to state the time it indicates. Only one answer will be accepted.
5:54
